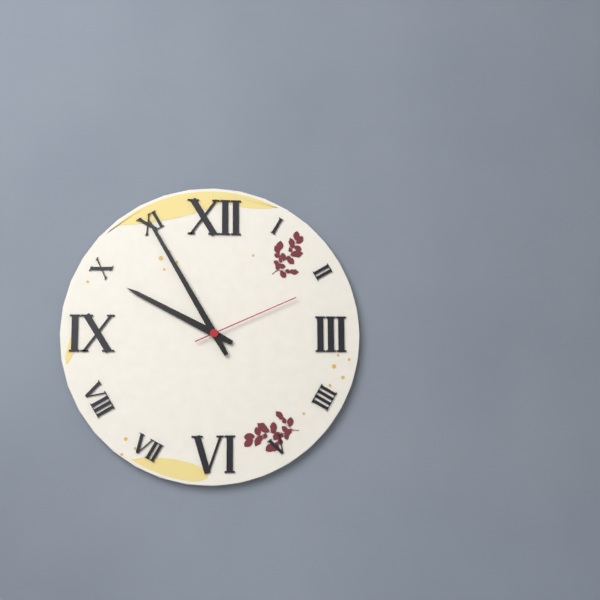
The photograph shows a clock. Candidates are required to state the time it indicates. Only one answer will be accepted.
9:55:11
